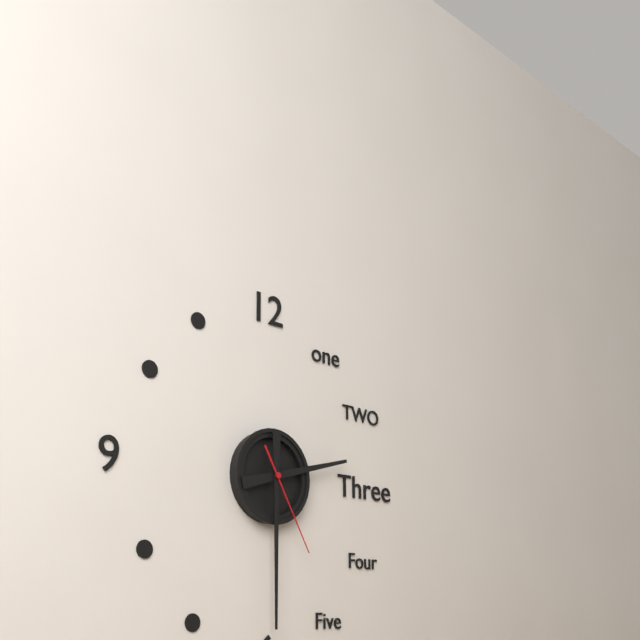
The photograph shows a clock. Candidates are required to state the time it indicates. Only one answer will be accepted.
2:30:25
